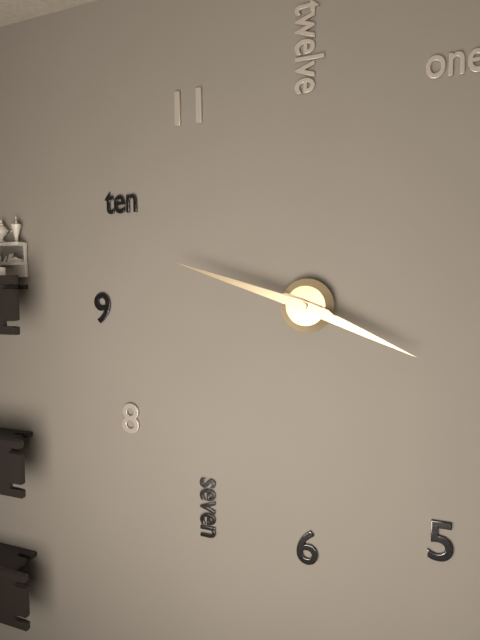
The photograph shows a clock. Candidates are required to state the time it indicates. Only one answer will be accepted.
3:48
